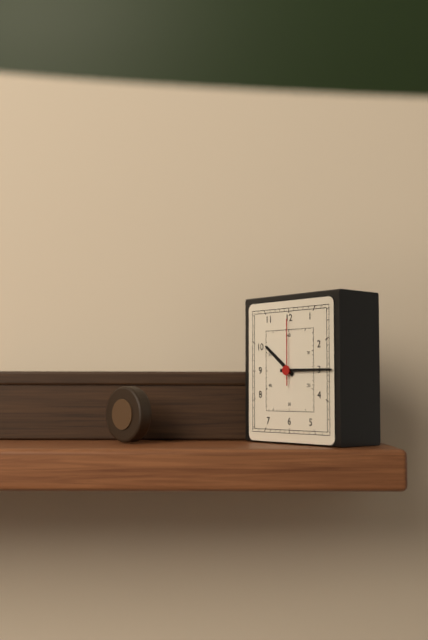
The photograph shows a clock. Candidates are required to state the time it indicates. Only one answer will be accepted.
10:15:00
